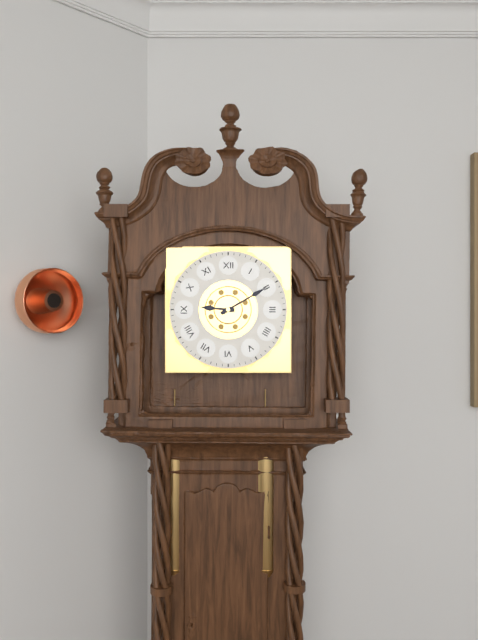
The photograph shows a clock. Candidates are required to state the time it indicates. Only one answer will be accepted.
9:10
